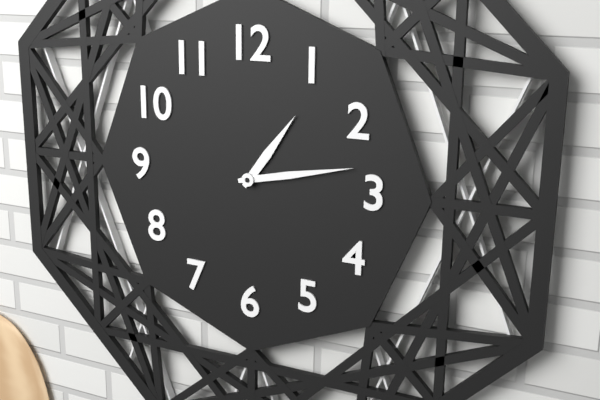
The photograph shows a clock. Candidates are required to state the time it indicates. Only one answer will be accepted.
1:13
